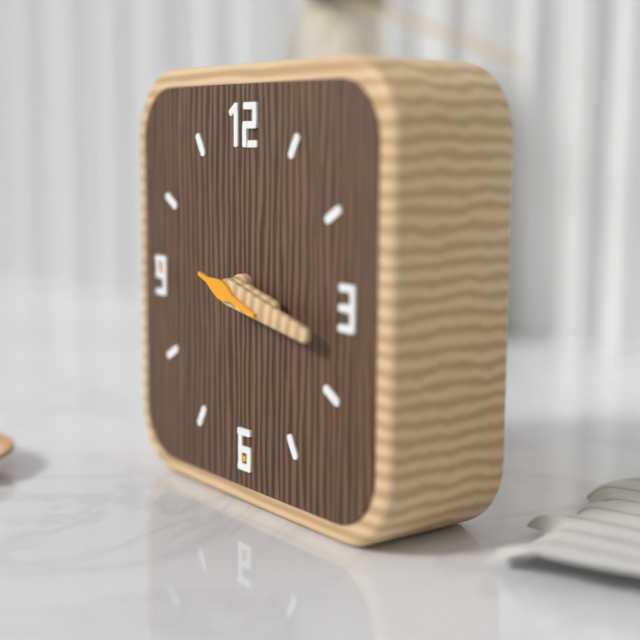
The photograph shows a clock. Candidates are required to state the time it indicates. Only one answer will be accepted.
3:17:18
